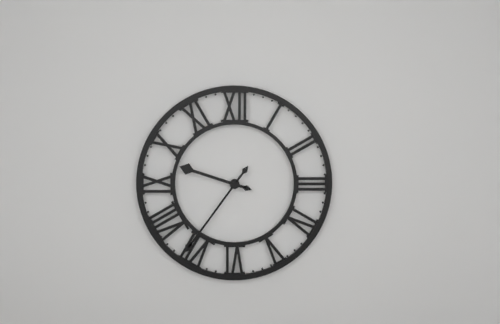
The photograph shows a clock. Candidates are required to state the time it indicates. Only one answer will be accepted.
9:36
